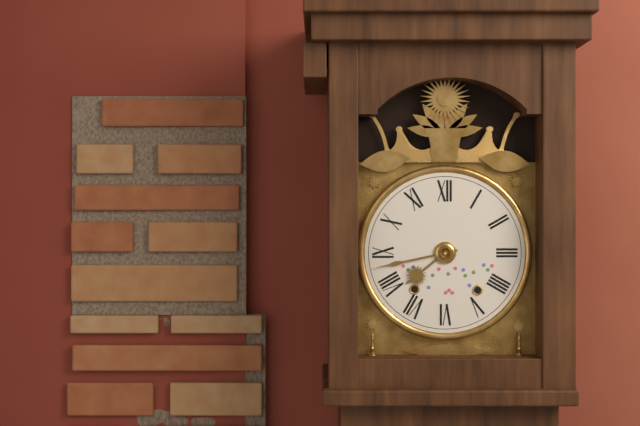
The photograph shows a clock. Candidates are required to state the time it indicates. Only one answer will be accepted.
7:43
